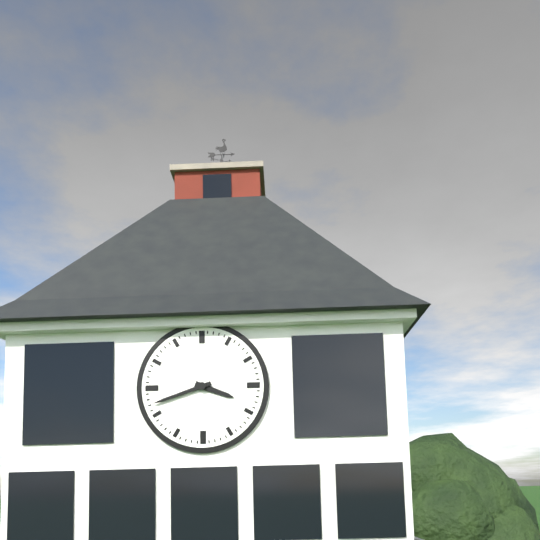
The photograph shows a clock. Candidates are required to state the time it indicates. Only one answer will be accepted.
3:42
